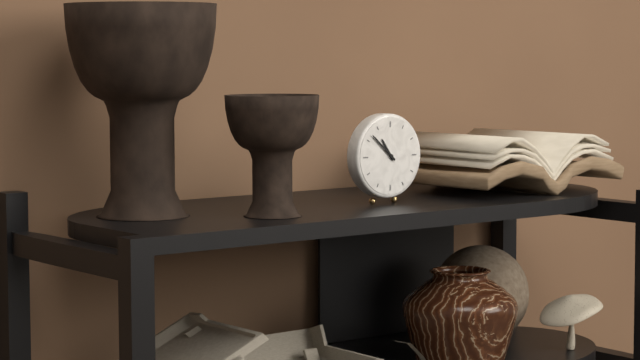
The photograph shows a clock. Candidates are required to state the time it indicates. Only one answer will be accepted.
10:52
